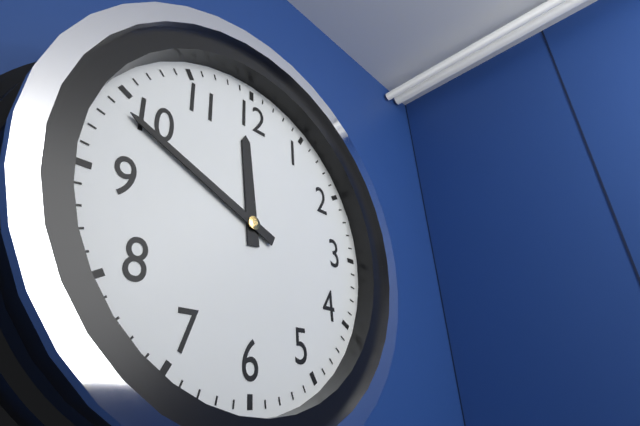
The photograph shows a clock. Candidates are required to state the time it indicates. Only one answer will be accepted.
11:49
